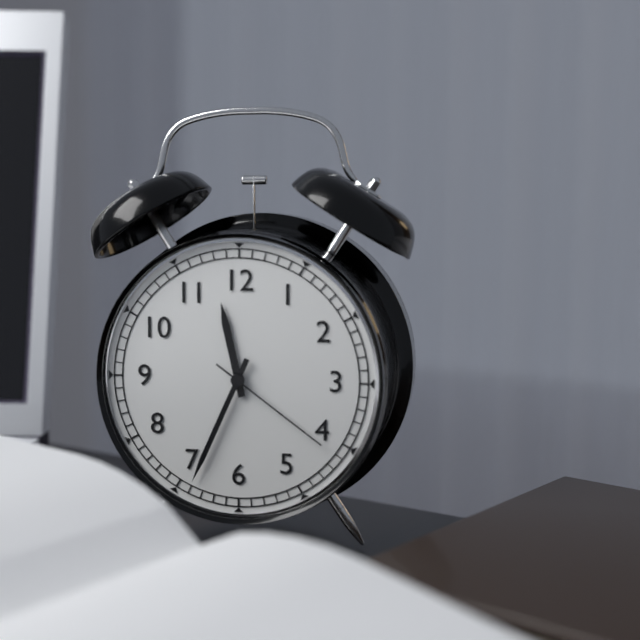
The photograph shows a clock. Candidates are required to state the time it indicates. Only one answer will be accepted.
11:34:21
